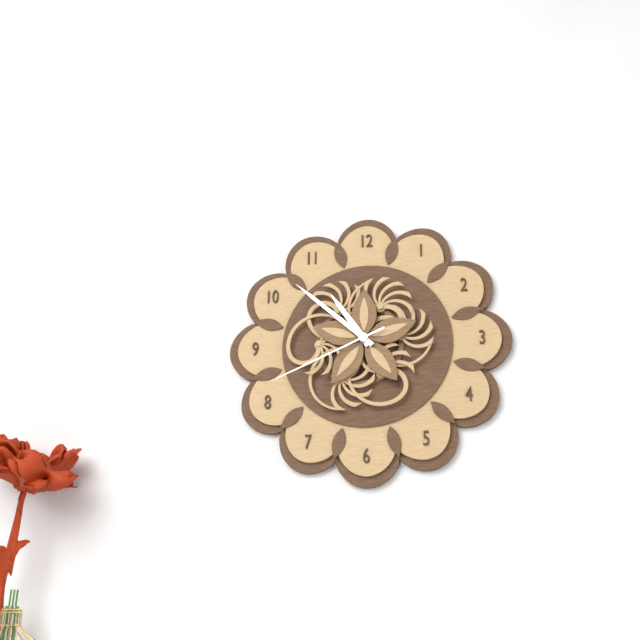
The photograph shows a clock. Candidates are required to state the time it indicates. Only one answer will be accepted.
10:52:41
